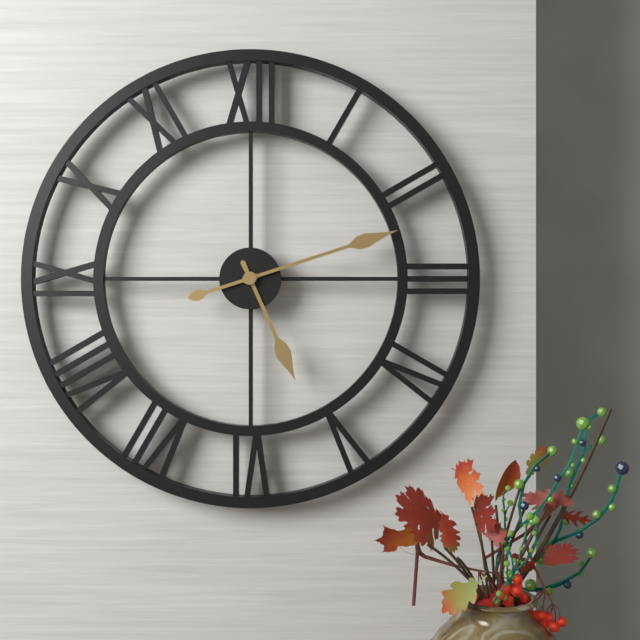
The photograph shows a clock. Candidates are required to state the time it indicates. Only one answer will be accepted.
5:12
